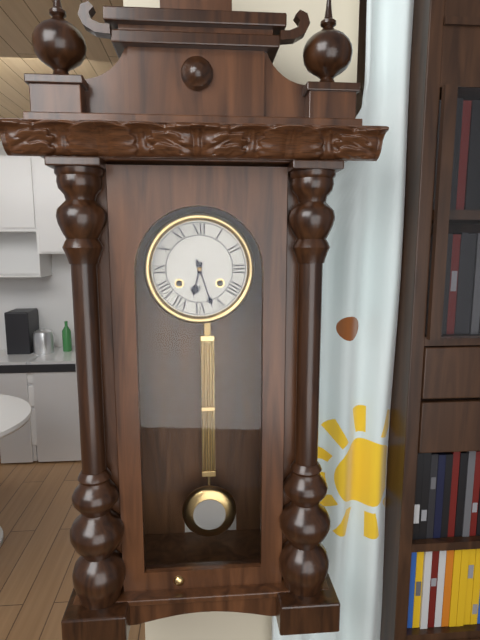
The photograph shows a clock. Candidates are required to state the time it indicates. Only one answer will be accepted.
6:27
